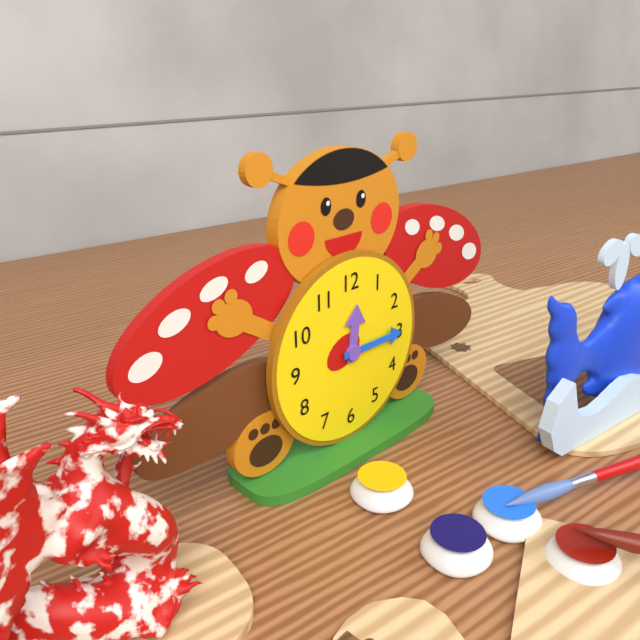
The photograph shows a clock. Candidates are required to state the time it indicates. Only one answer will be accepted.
12:15
